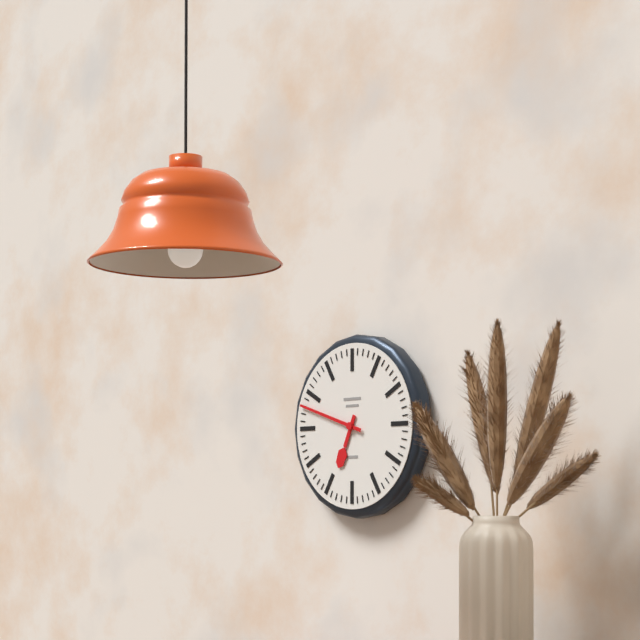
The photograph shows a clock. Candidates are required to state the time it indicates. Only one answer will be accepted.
6:48
